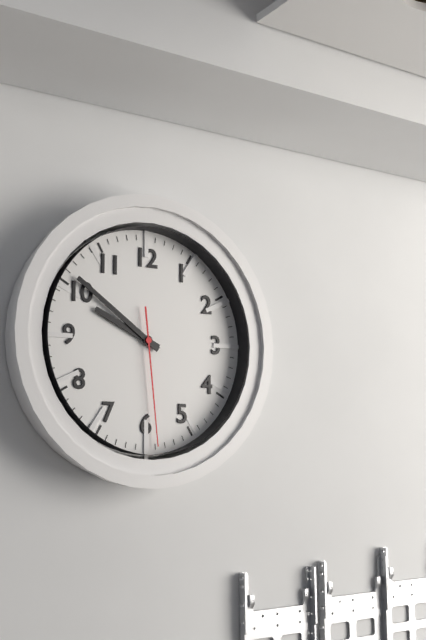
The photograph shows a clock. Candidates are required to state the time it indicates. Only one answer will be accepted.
9:51:29
